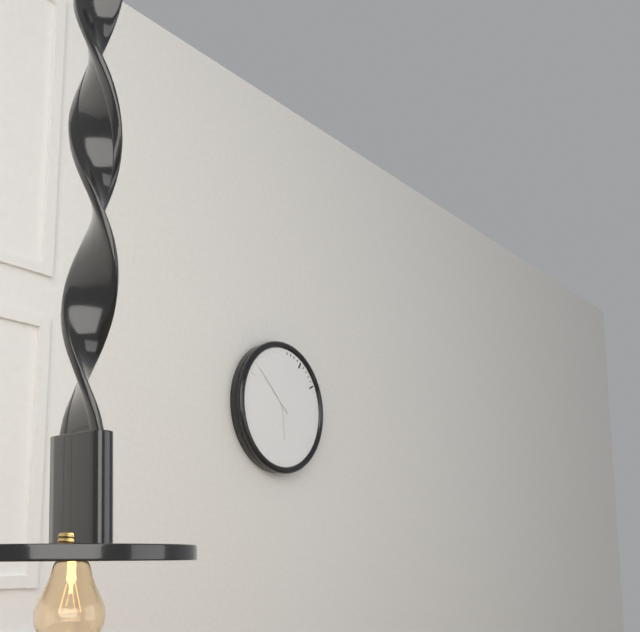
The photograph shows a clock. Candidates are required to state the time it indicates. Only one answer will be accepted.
5:52
